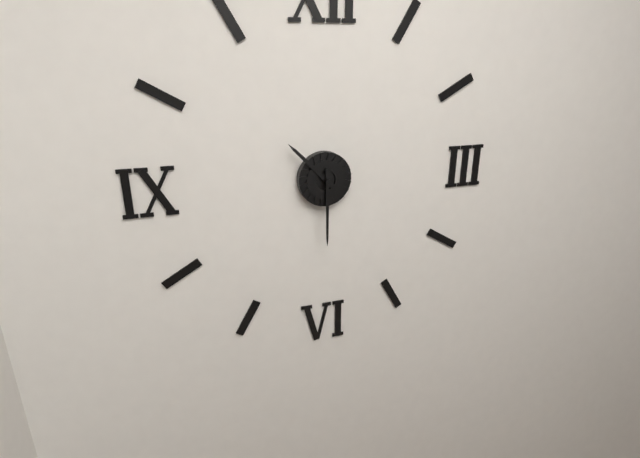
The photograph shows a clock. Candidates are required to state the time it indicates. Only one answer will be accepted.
10:30
